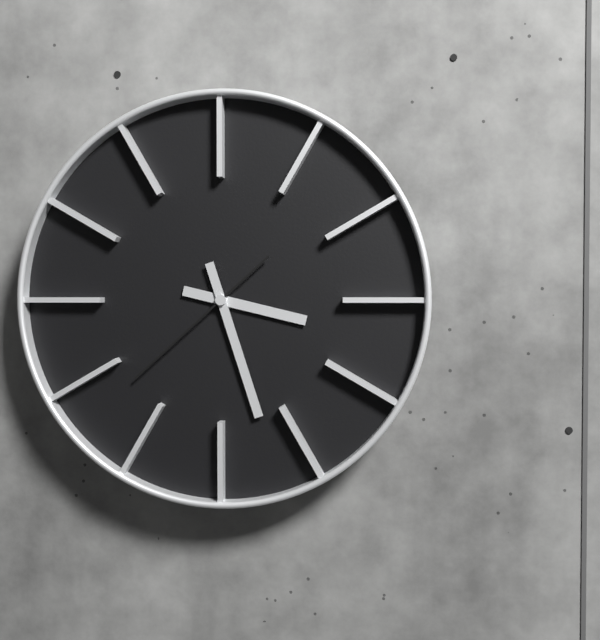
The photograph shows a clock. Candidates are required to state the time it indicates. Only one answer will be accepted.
3:27:38
